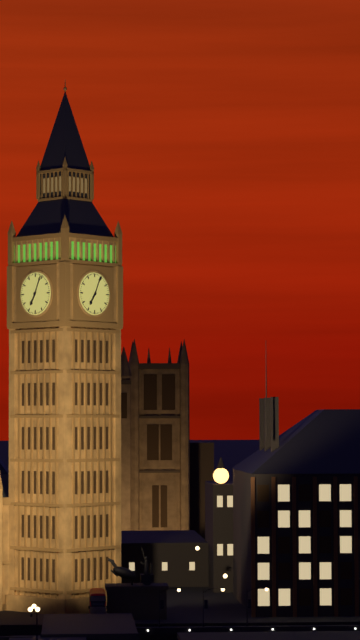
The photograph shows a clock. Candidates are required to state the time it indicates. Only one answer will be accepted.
7:04
